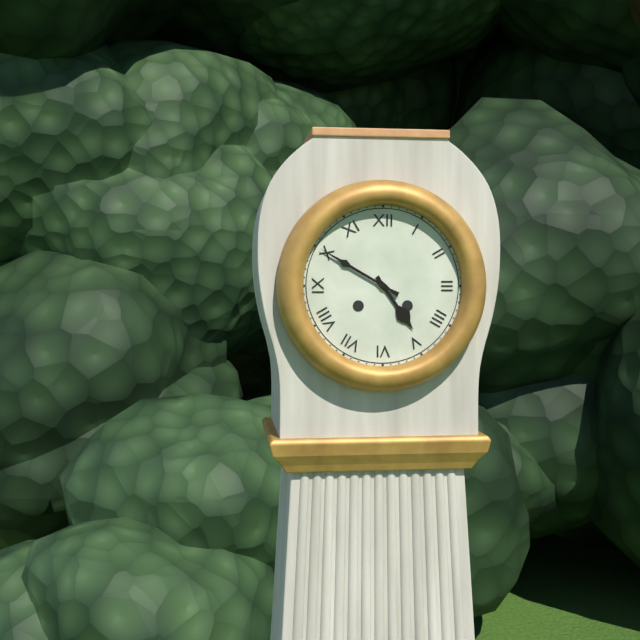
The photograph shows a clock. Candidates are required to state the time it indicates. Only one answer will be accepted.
4:50
